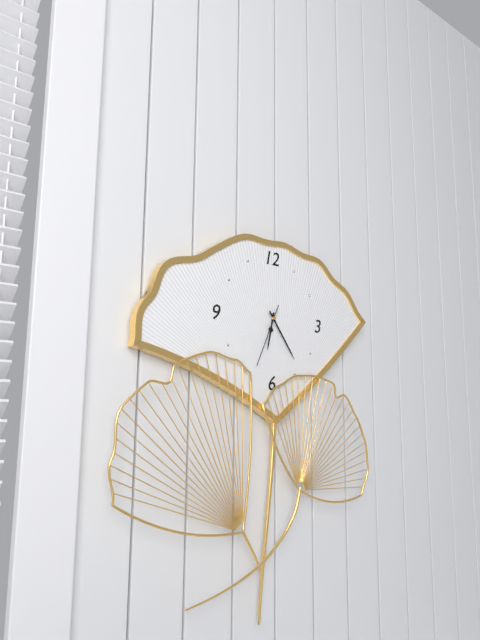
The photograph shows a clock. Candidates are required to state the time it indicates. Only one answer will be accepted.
6:24:34
